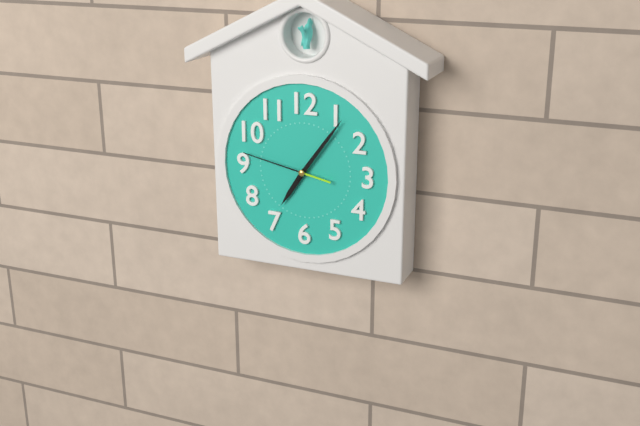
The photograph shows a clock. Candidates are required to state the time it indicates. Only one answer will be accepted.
7:06:47
